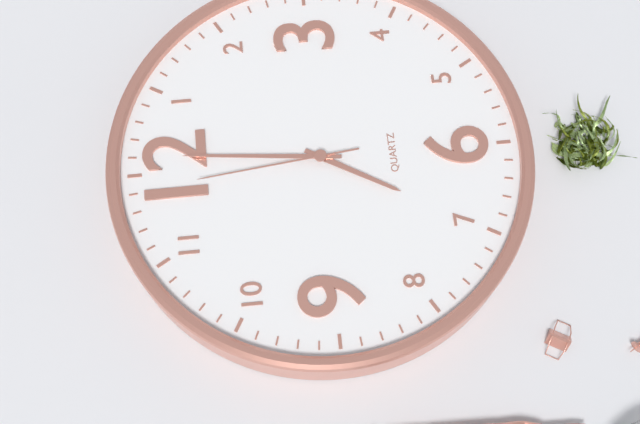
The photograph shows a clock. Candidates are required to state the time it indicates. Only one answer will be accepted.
7:01:59
